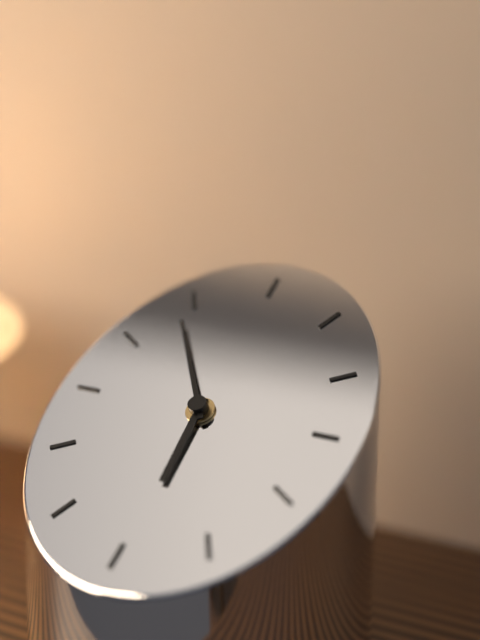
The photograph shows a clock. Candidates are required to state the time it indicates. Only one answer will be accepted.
5:54
